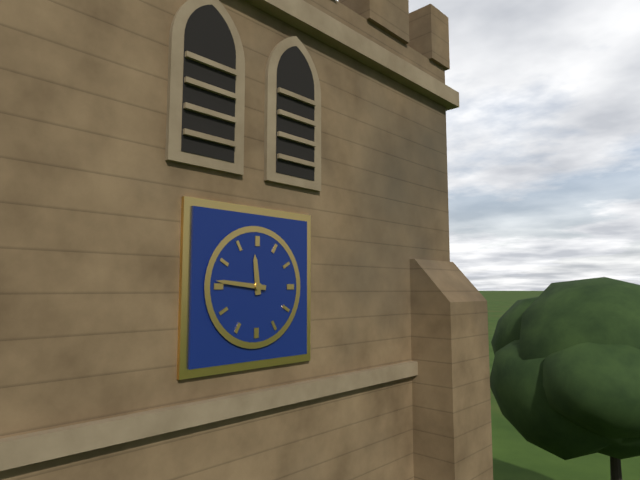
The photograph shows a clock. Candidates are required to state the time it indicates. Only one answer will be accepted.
11:46
